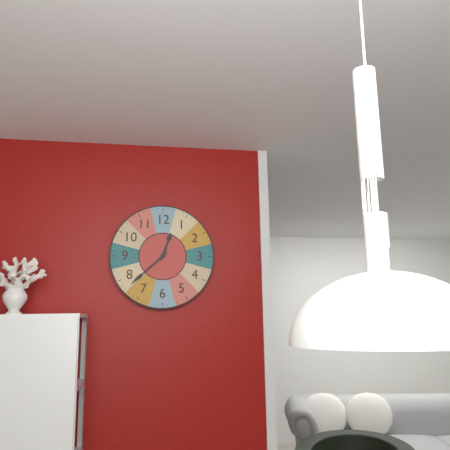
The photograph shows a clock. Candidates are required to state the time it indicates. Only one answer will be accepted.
12:38
